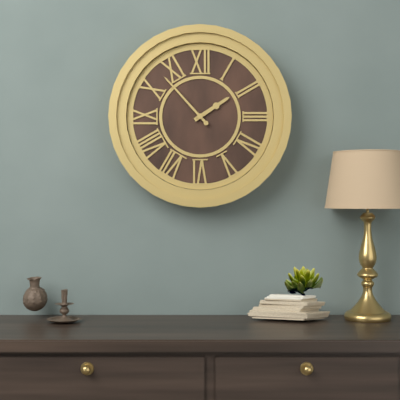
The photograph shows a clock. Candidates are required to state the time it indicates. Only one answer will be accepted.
1:53
